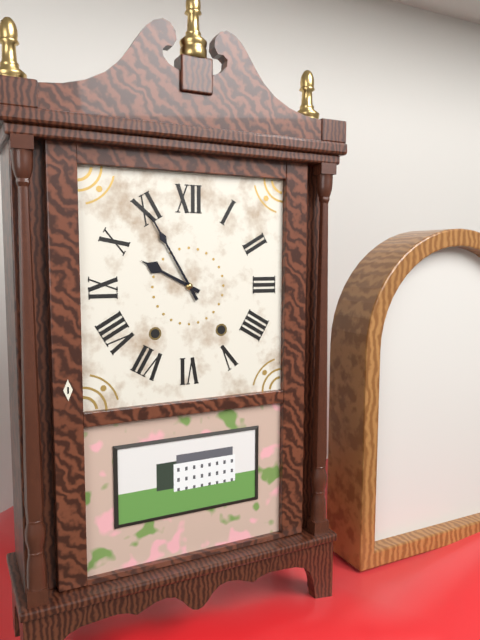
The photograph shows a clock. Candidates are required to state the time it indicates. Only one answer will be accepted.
9:55
